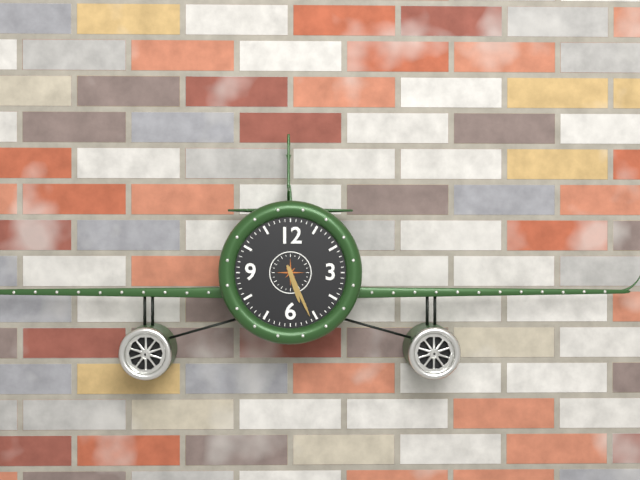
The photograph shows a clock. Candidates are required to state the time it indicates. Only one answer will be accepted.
5:26
